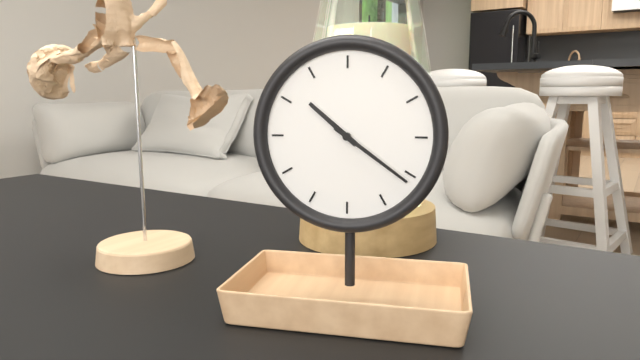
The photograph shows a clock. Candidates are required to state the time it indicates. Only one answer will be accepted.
10:21
